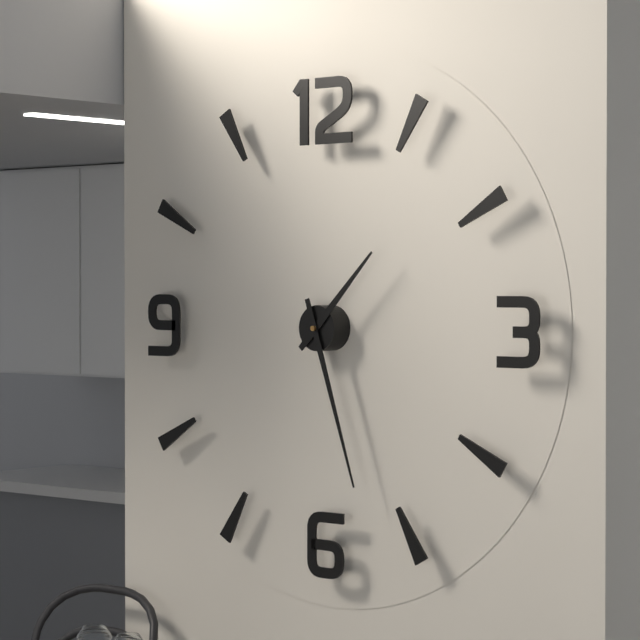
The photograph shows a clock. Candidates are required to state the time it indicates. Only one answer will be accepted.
1:27
